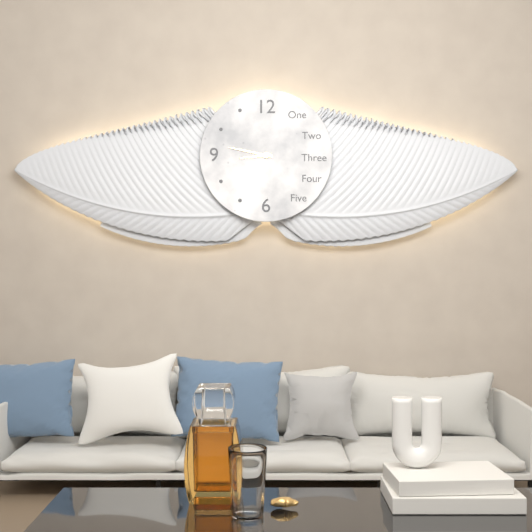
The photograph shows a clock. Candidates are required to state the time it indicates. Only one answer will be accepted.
8:47
